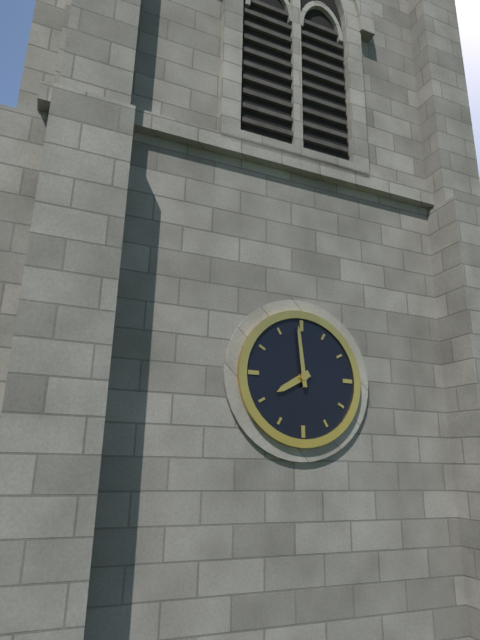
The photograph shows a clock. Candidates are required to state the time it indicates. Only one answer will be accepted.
7:59
